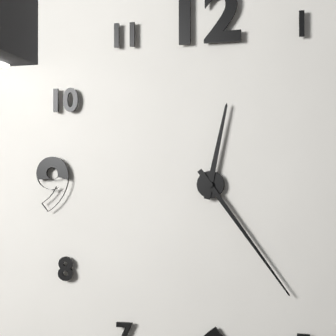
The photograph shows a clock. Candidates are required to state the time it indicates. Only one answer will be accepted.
12:24
